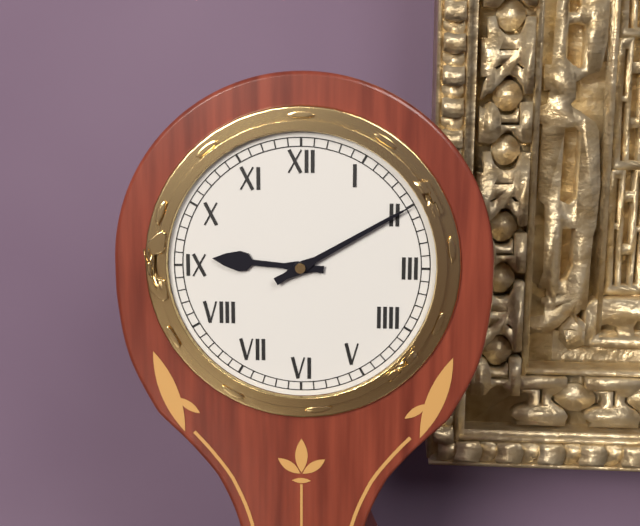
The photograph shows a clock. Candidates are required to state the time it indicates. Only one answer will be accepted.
9:10
